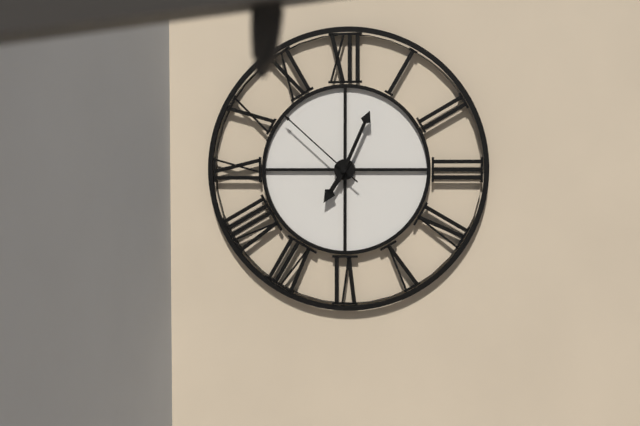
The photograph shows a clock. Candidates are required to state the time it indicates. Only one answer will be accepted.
7:04:52
